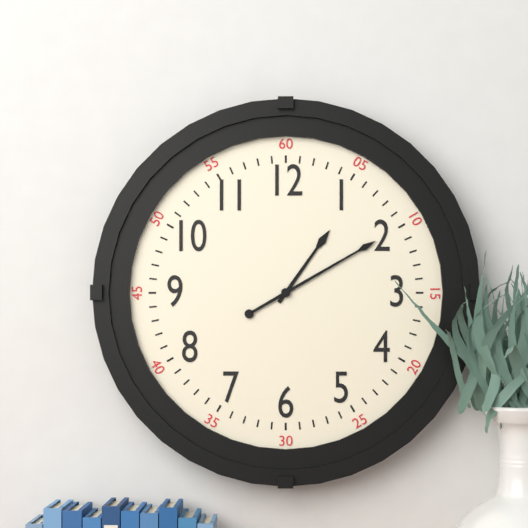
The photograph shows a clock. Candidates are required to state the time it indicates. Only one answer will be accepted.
1:10
